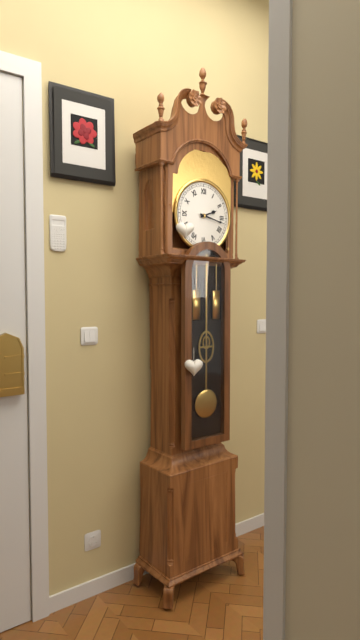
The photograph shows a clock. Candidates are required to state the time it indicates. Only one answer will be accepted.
2:17
